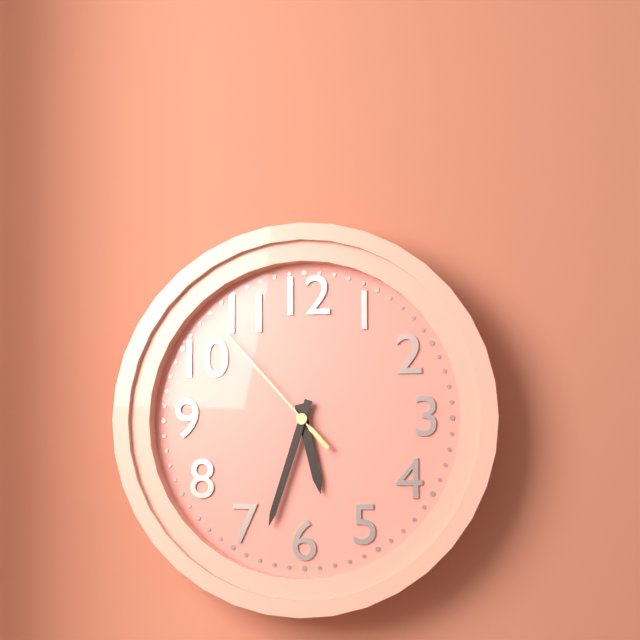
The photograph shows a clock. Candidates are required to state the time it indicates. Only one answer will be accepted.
5:33:53
